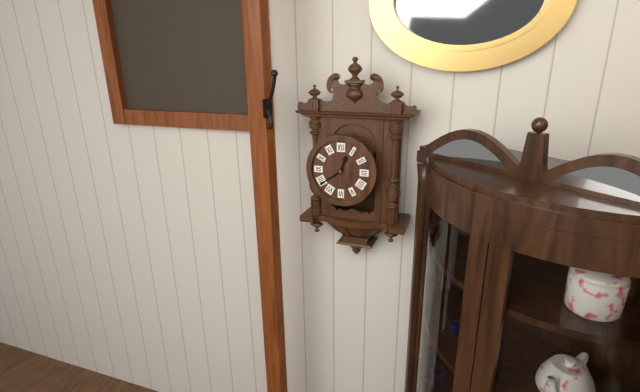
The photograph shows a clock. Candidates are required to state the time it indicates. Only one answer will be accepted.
12:39
